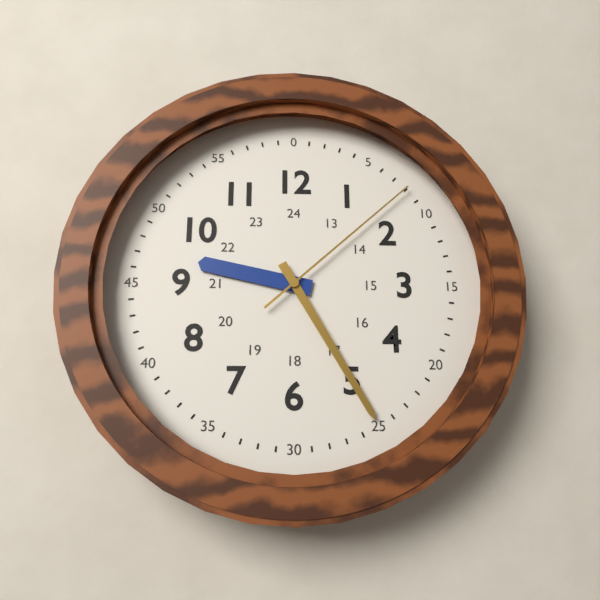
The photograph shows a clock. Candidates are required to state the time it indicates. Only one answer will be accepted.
9:25:08
